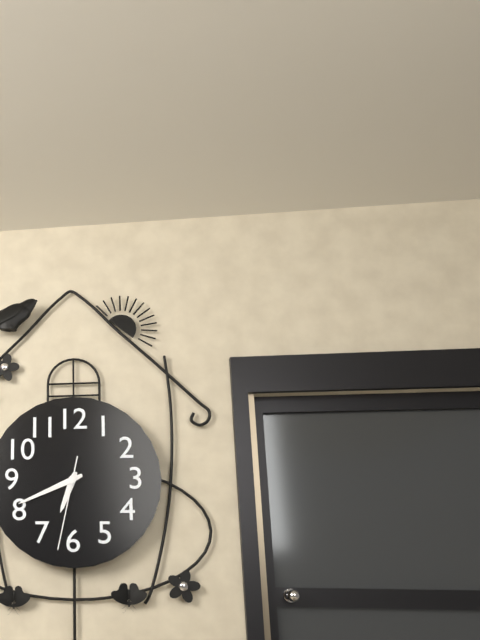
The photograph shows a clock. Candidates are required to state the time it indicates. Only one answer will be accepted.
6:41:32
